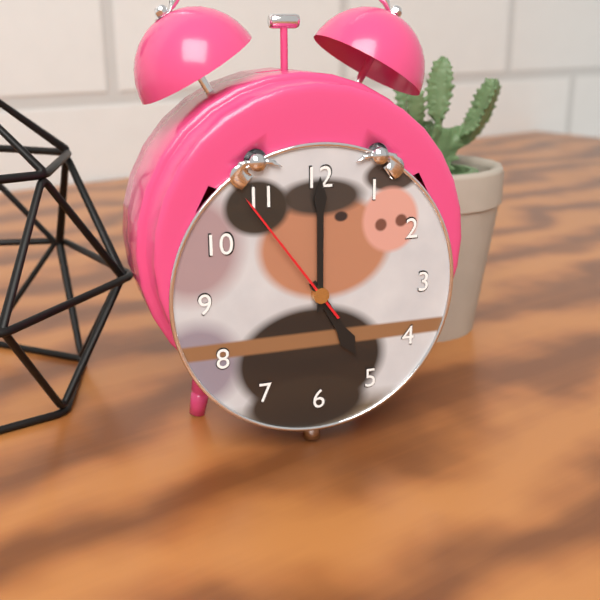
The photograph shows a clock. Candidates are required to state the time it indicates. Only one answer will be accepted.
5:00:54
